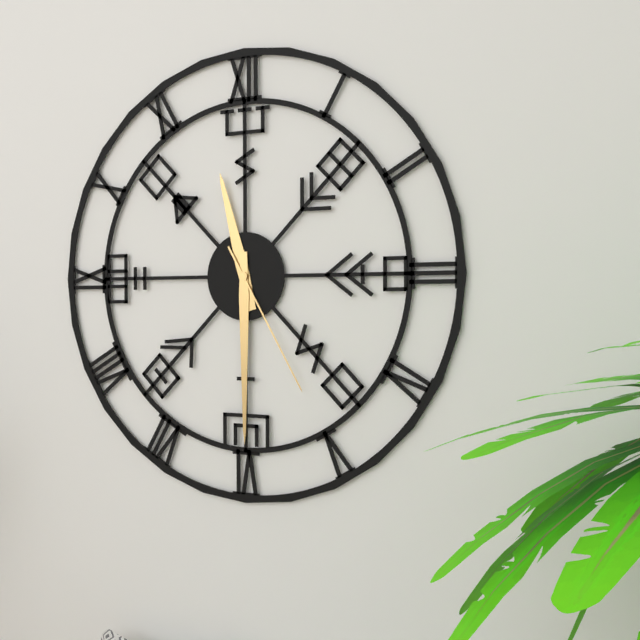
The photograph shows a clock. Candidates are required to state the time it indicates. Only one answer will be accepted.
11:30:25
